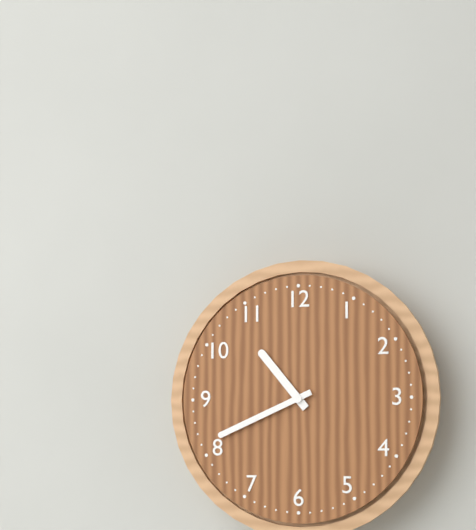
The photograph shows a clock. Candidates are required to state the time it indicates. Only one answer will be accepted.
10:41
